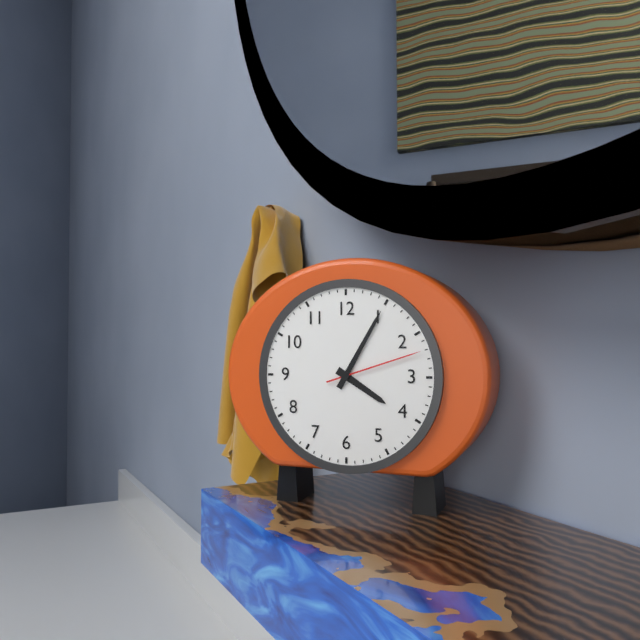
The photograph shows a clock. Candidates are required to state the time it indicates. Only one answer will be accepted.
4:05:12
